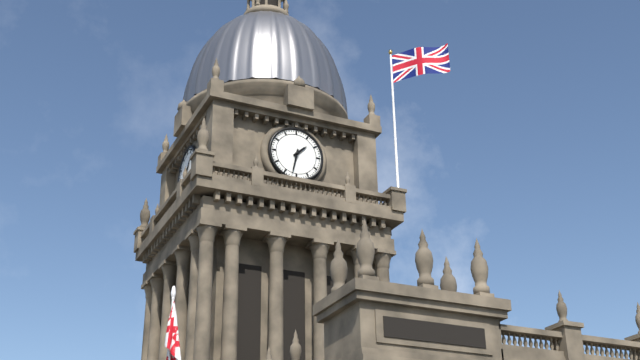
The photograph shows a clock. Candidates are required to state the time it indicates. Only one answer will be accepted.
1:32
